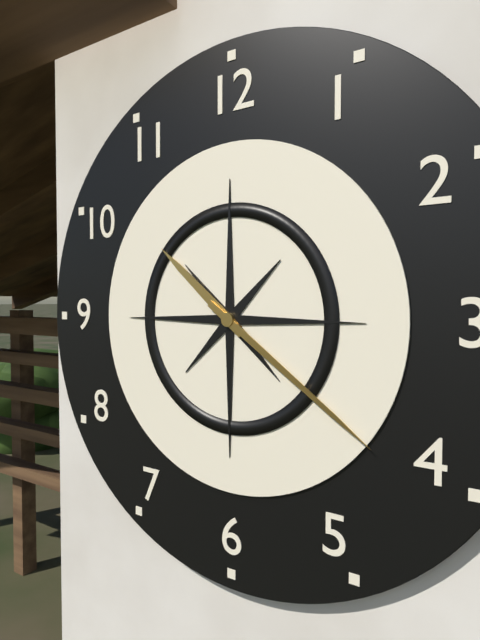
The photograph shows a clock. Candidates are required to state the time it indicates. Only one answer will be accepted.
10:21
